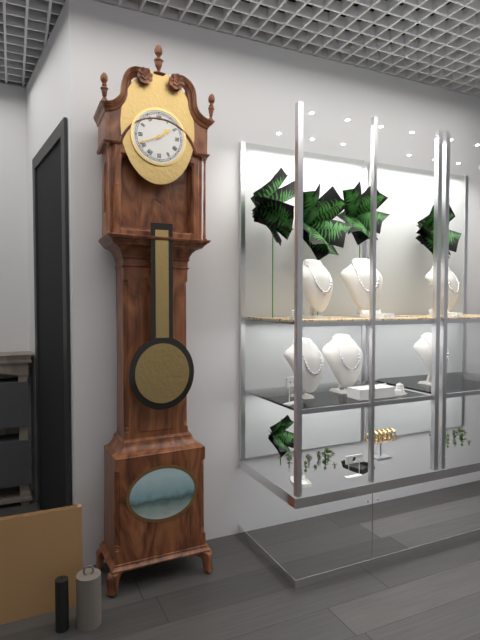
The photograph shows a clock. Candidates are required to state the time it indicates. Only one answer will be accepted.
1:41
